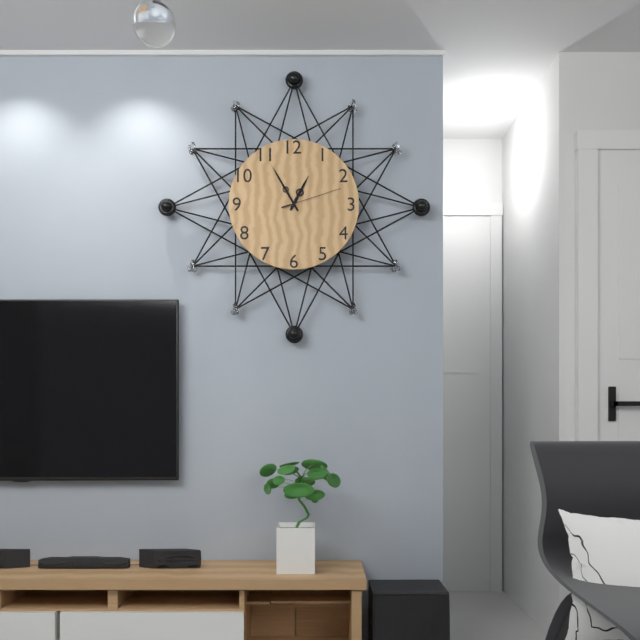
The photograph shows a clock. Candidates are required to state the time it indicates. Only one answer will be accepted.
12:55:12
